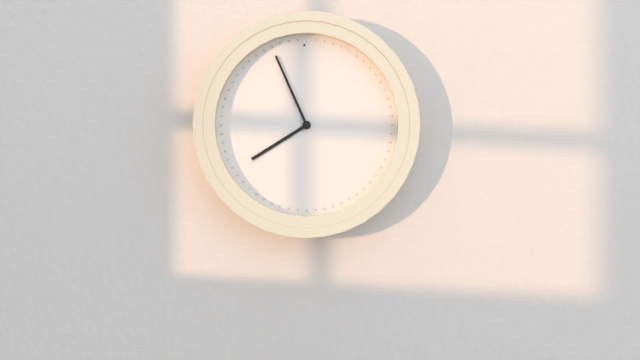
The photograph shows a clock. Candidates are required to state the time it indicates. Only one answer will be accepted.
7:56
